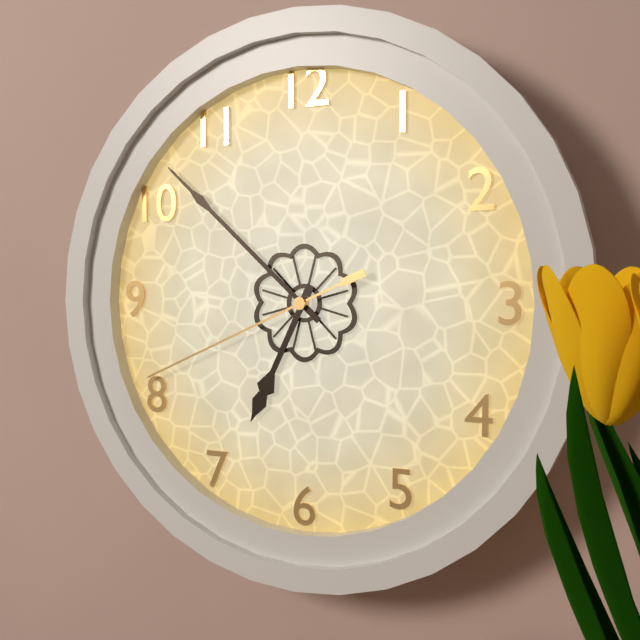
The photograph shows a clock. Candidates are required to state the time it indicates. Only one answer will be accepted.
6:52:41
